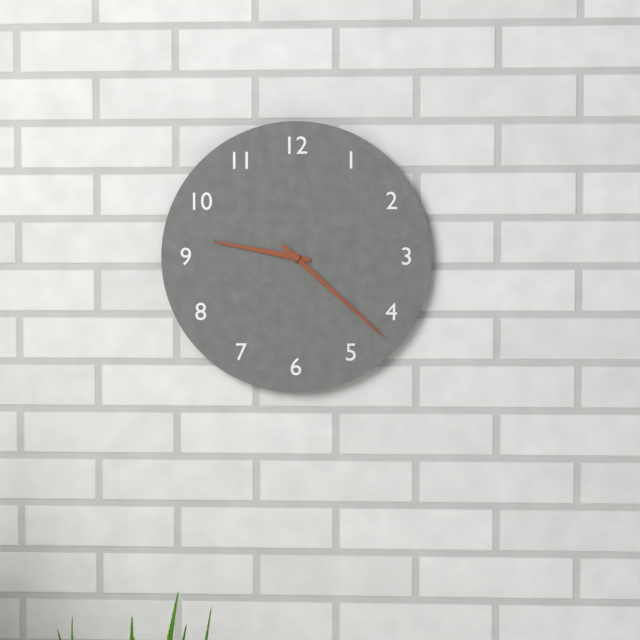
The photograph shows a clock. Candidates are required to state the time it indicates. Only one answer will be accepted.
9:22
